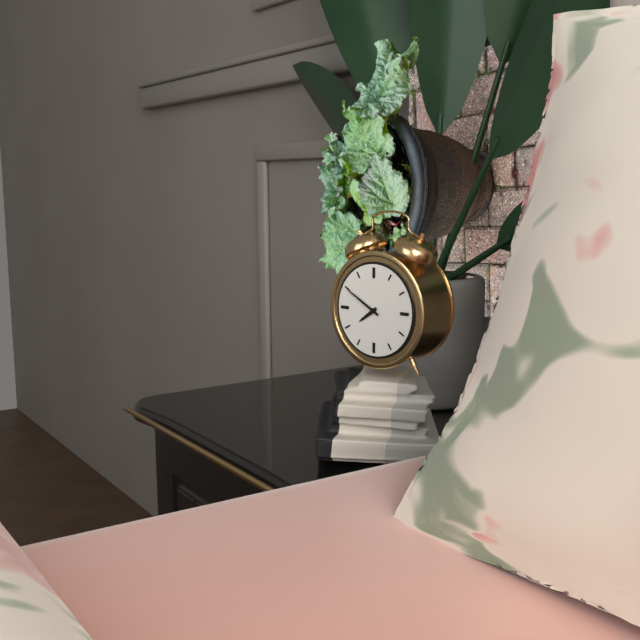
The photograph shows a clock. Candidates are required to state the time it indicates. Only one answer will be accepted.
7:50
